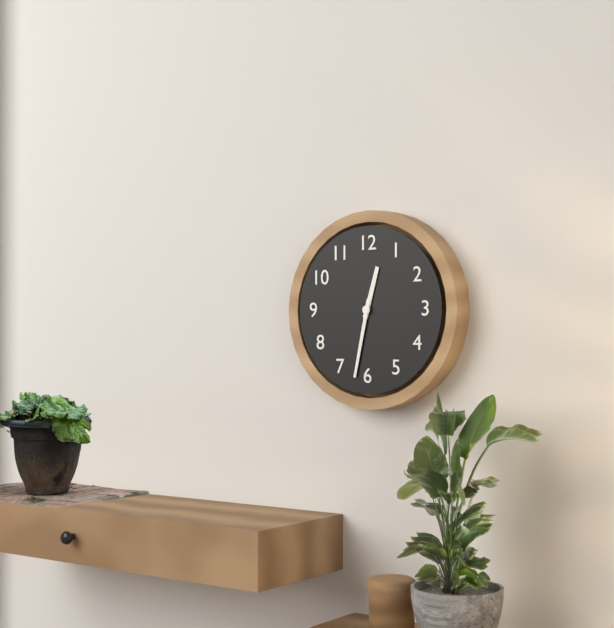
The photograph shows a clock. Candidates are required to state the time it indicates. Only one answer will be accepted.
12:32
